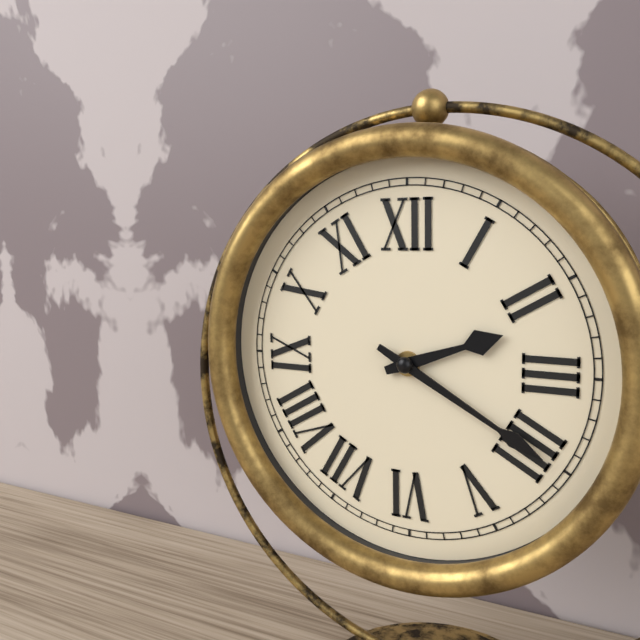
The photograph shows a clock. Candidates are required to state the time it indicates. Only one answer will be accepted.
2:20
